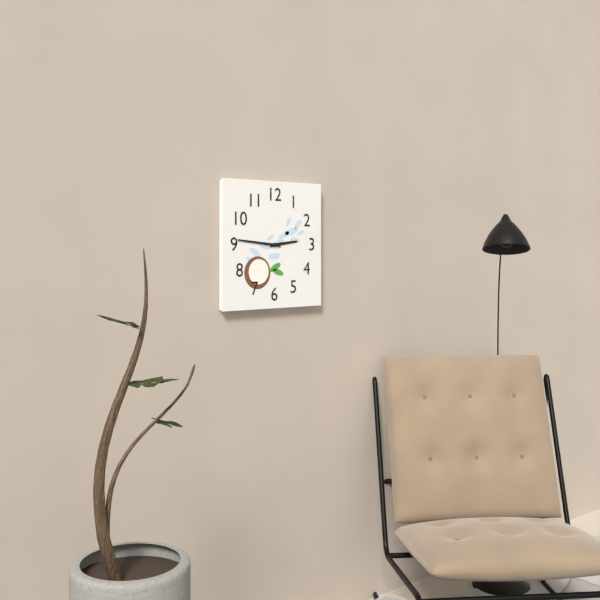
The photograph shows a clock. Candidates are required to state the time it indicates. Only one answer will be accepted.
2:46
